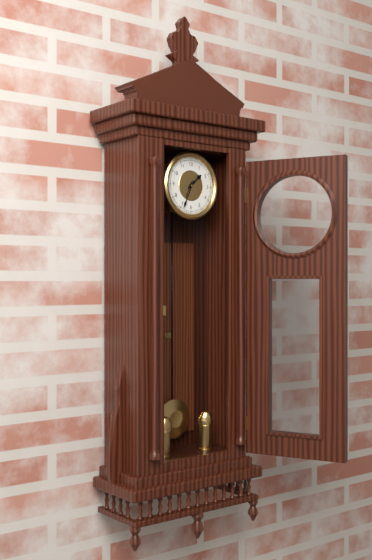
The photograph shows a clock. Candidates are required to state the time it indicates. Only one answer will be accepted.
1:34
